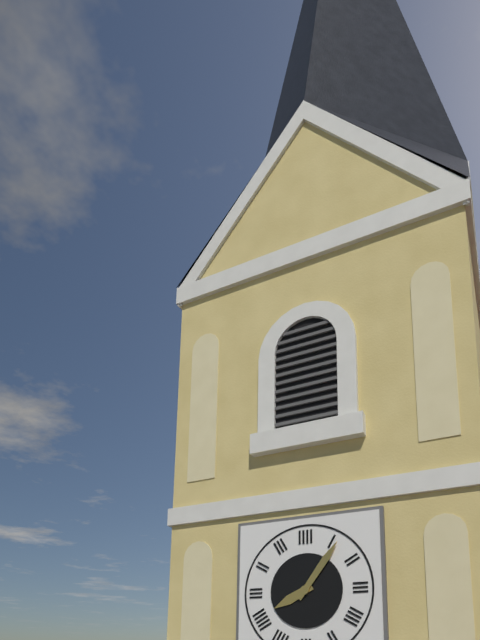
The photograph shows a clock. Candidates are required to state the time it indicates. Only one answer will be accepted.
8:06
